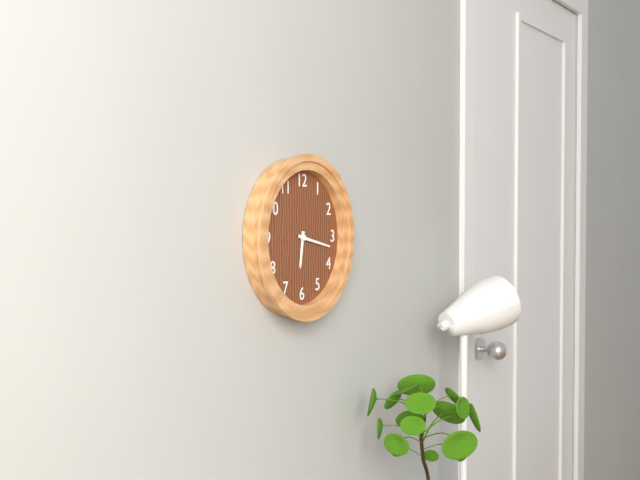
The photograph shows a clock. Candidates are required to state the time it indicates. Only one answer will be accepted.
6:17
